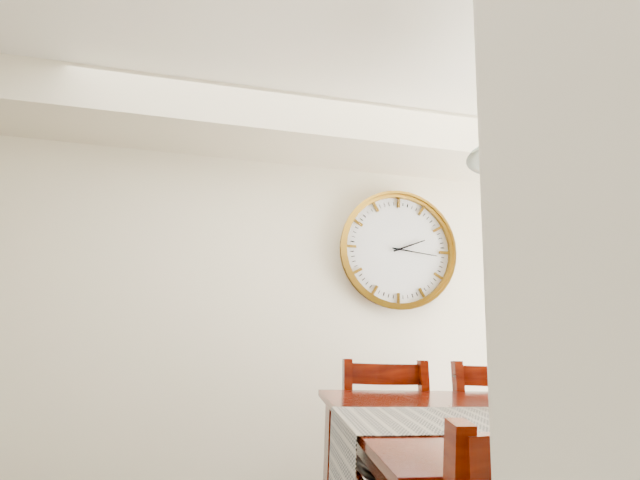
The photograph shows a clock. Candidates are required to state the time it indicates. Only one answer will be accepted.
2:16
